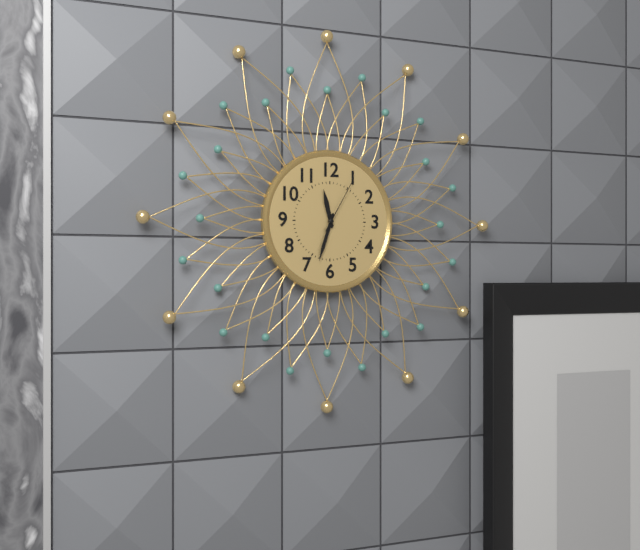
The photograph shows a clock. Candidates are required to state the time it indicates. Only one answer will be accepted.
11:33:05
